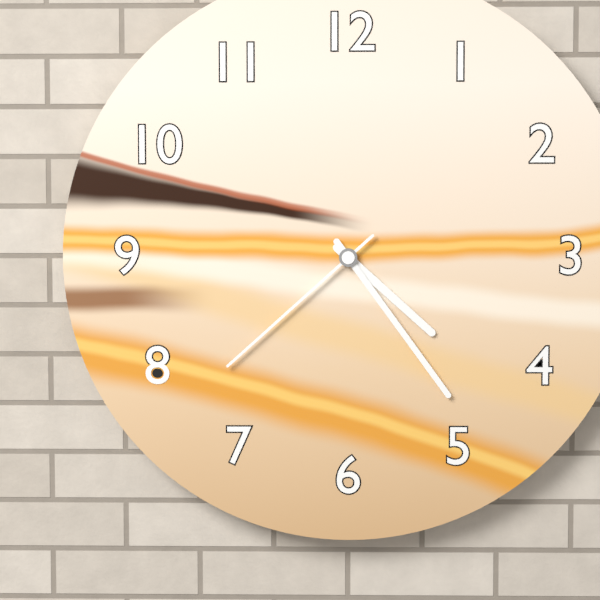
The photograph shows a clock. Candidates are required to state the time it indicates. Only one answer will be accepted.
4:24:38
